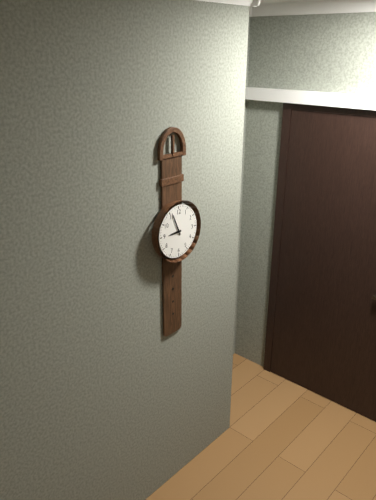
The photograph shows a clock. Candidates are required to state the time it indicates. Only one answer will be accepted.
8:56
